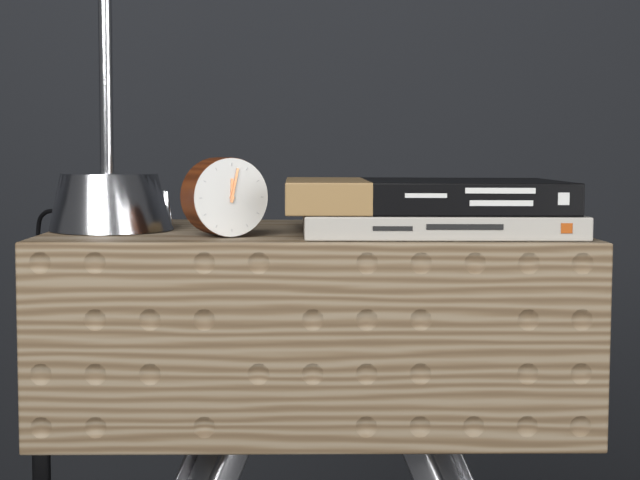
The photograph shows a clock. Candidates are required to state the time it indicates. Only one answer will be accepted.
12:02
